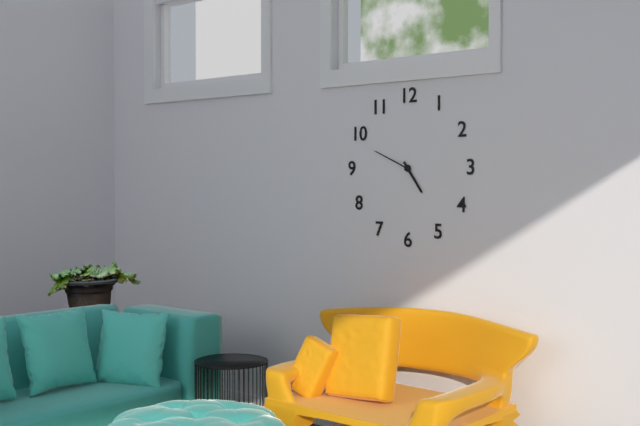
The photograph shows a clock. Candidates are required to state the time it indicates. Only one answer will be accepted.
4:49
